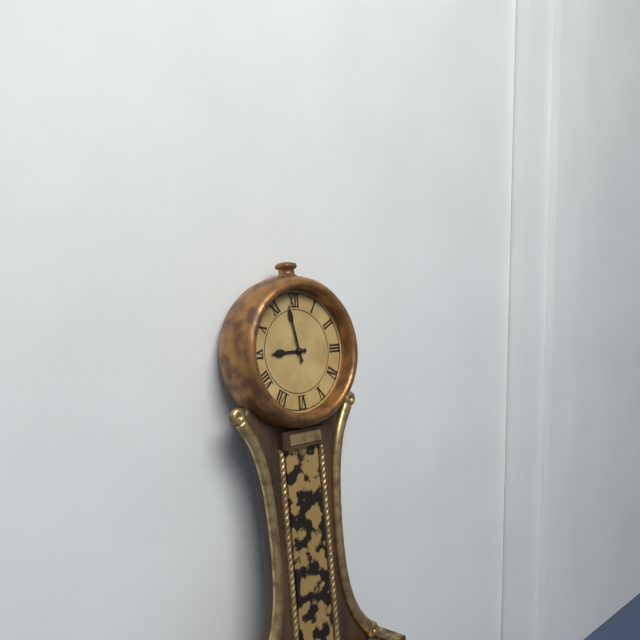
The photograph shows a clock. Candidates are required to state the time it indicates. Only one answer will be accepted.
8:58
